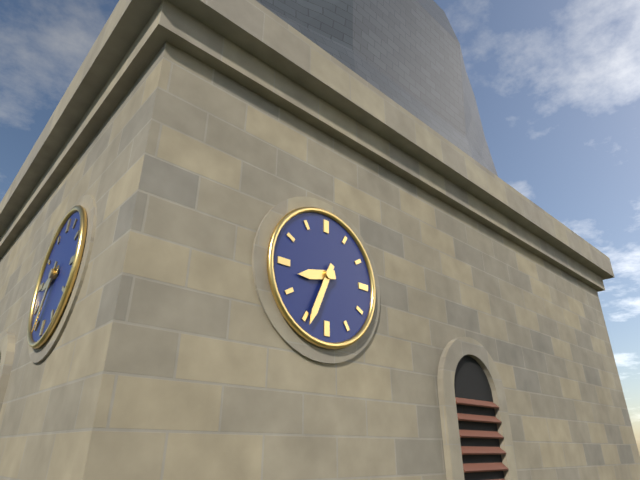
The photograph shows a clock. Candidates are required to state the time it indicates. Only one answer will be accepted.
8:34
